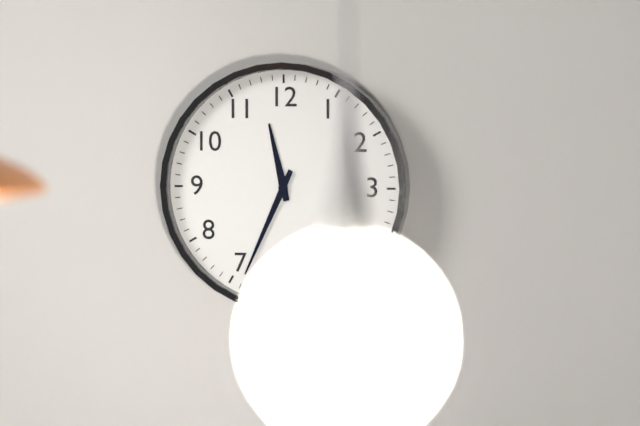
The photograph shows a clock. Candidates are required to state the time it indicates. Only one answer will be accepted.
11:34
